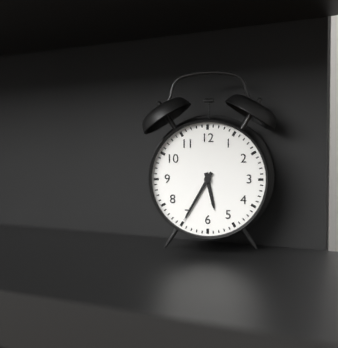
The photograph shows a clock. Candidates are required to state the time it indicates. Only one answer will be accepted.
5:35
